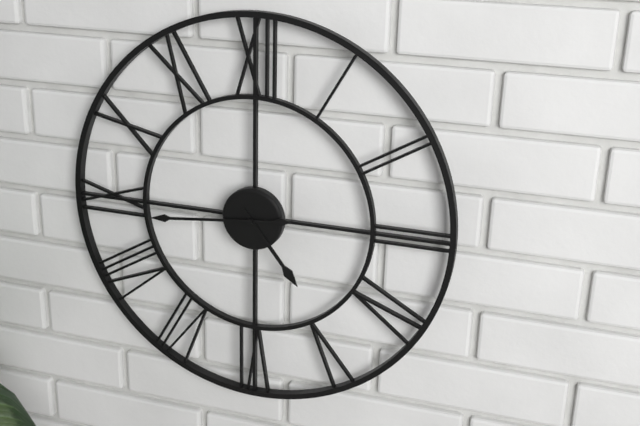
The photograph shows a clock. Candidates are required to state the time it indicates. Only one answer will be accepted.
4:44
